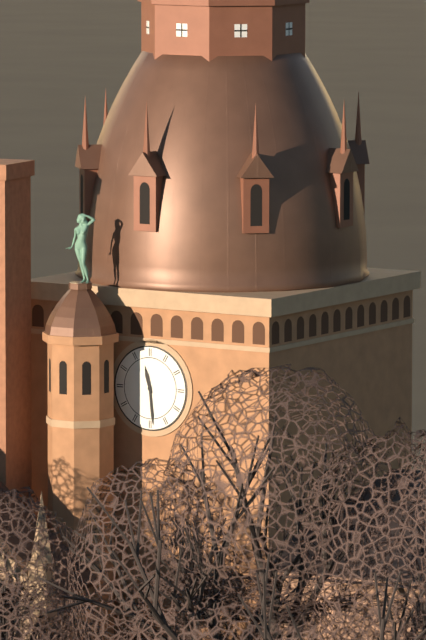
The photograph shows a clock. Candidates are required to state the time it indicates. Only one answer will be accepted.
11:29
